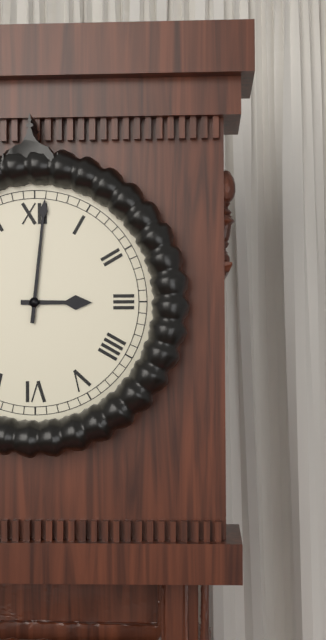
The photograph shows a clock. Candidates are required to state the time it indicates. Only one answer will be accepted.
3:01
